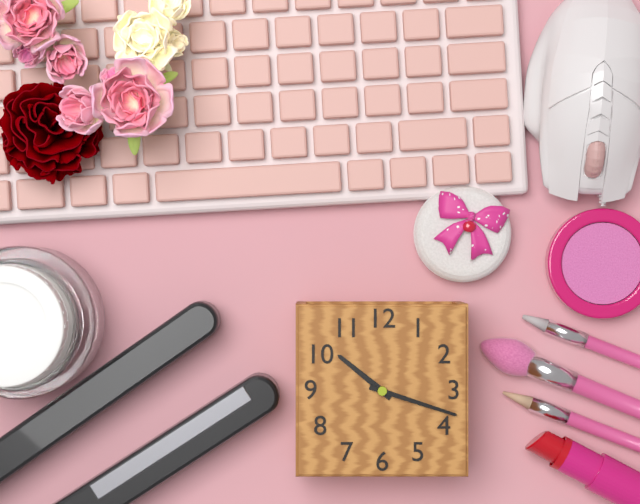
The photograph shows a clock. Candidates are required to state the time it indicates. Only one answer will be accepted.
10:18
